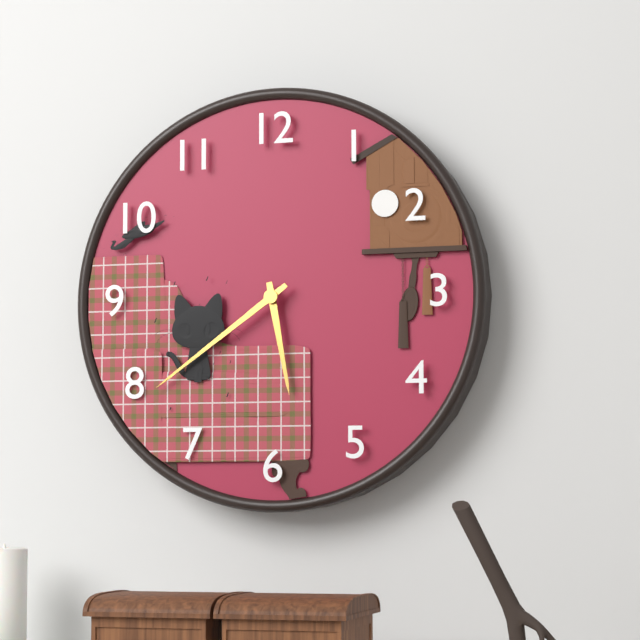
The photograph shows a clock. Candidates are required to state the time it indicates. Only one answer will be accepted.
5:39
